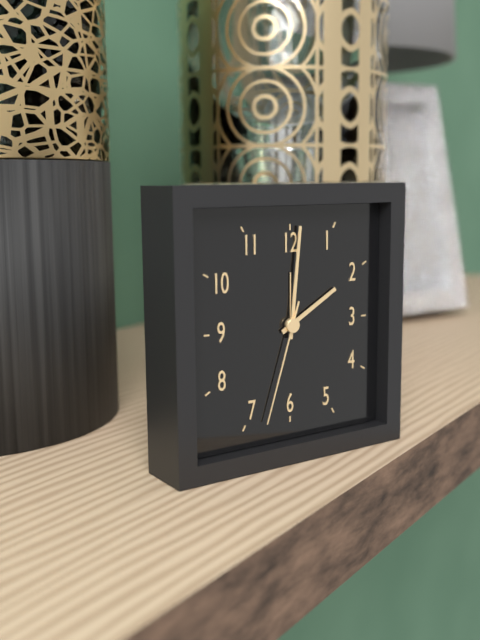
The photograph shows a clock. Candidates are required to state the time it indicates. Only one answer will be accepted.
2:01:33
